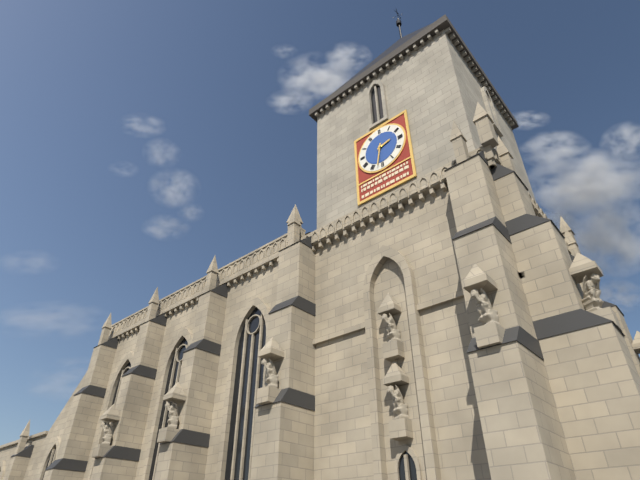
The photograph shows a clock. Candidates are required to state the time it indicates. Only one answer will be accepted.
2:32
